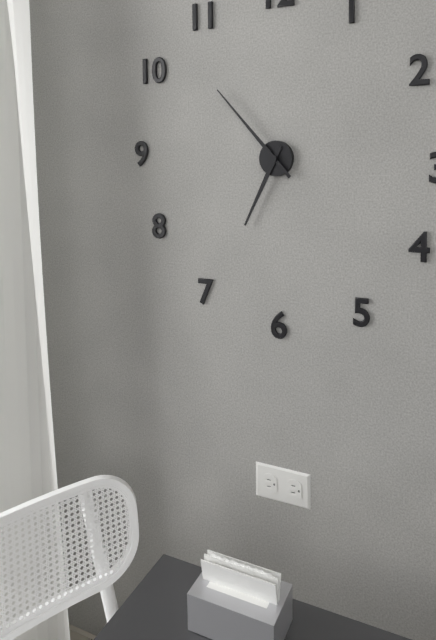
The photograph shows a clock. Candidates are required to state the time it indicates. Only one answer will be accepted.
6:53
